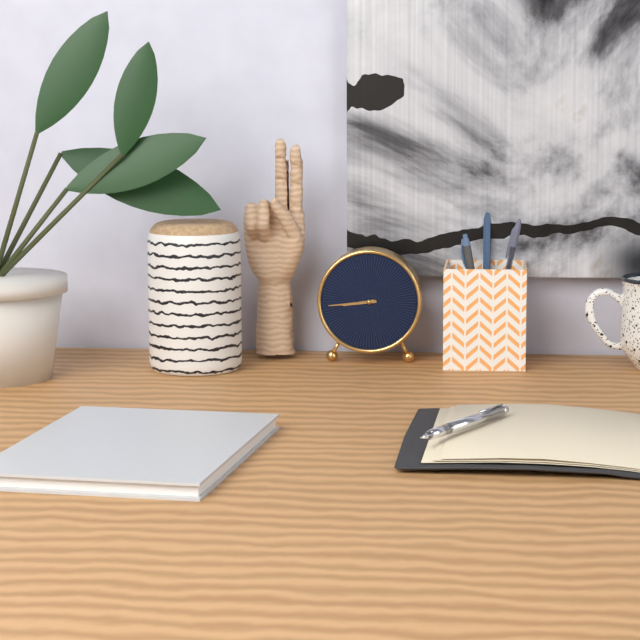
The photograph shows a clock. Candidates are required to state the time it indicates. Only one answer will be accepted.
8:44
